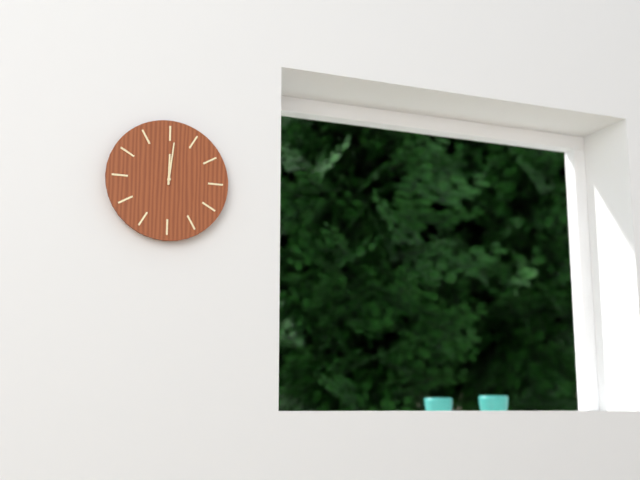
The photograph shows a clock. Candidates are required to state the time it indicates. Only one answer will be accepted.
12:01
